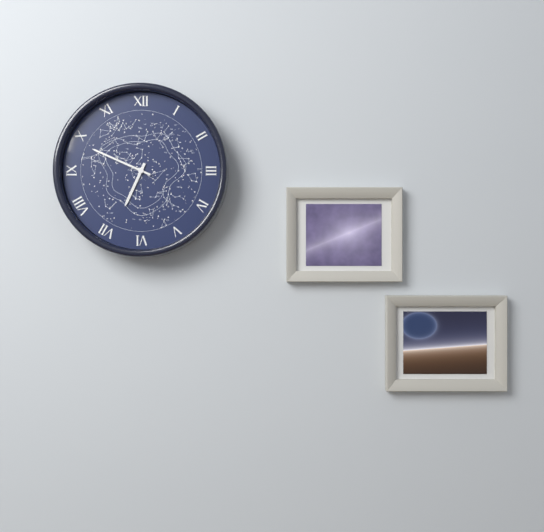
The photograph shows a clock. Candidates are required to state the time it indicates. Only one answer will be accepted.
6:49
